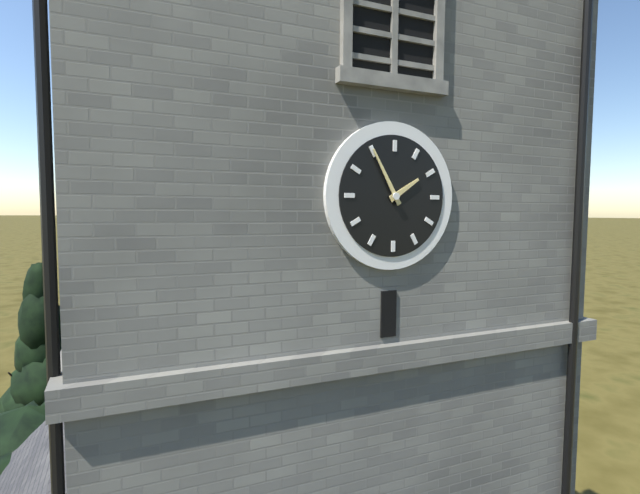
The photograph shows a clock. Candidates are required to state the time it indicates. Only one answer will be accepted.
1:55
